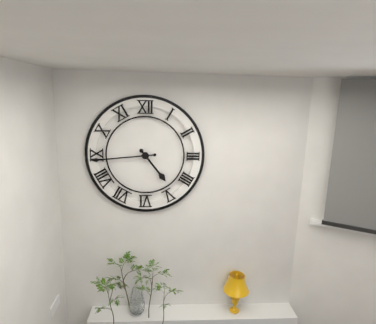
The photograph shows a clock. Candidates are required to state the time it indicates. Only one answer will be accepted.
4:44
